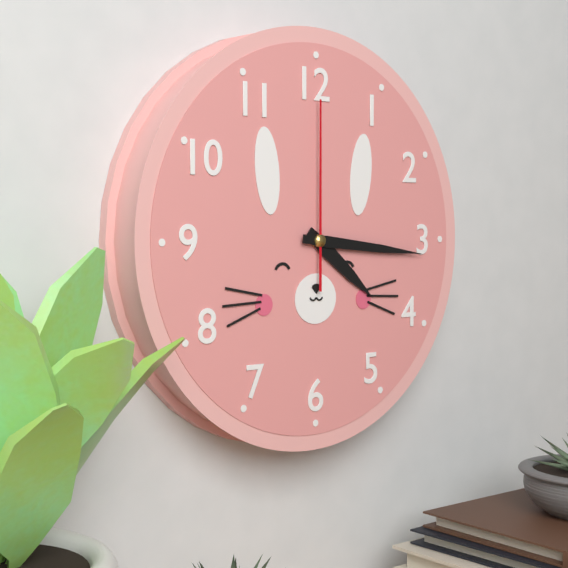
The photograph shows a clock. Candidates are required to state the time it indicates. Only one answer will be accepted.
4:16:00
